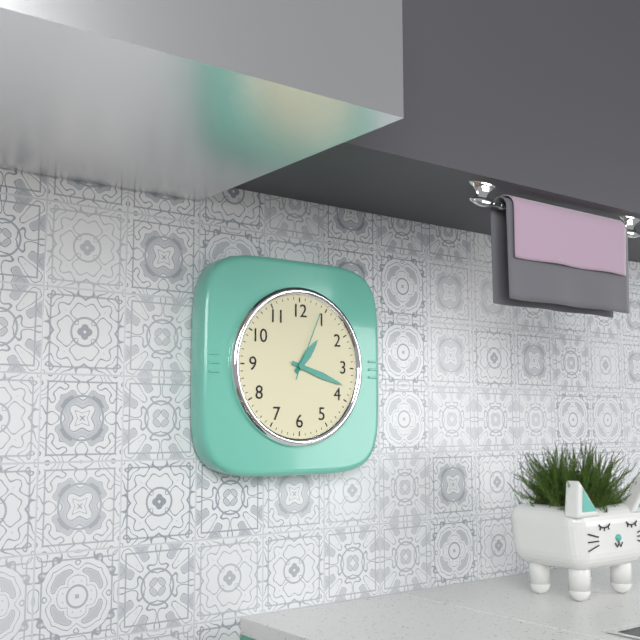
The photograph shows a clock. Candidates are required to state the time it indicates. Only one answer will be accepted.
1:18:04
